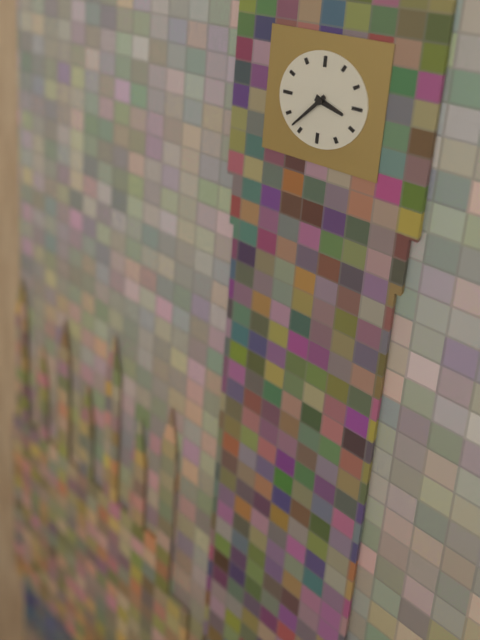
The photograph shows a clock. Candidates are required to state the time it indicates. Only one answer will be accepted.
3:37
